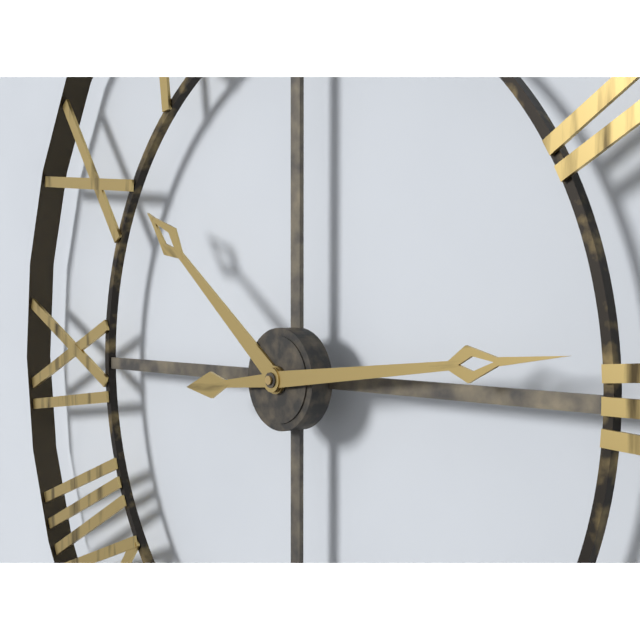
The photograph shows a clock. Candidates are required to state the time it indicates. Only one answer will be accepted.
10:14
